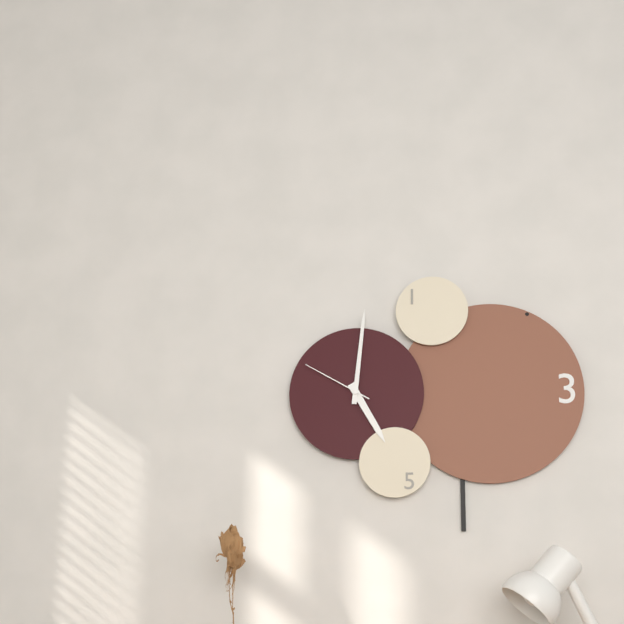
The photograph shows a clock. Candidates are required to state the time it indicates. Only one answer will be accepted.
5:01:50
